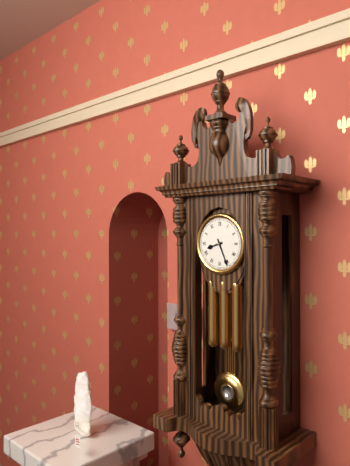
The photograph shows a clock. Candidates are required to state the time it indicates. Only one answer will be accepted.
8:26
